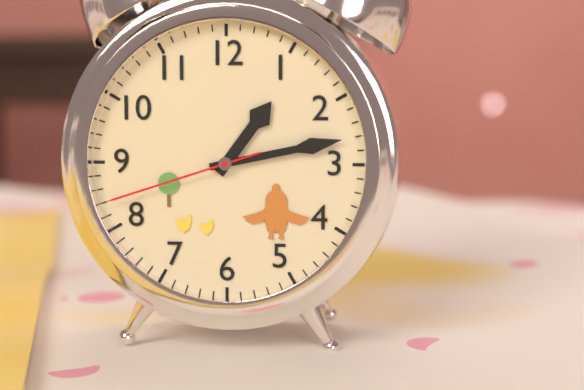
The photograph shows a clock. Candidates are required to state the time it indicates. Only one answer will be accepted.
1:13:42
